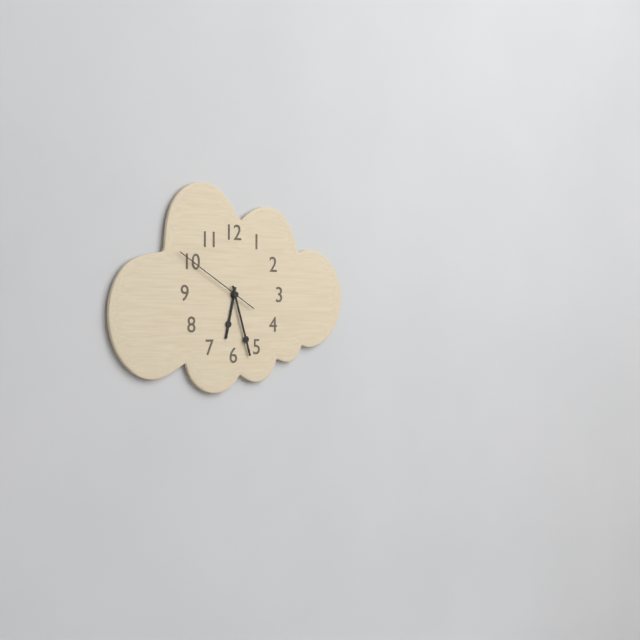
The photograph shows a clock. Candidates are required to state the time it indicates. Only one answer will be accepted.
6:27:50
